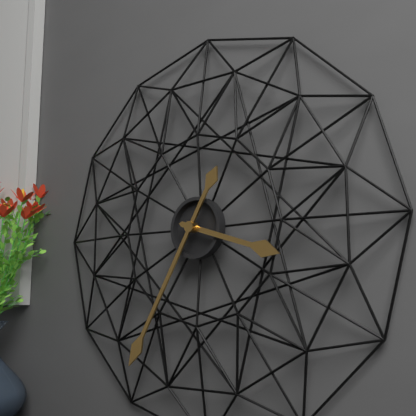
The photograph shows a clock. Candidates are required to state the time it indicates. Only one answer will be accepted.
3:35
